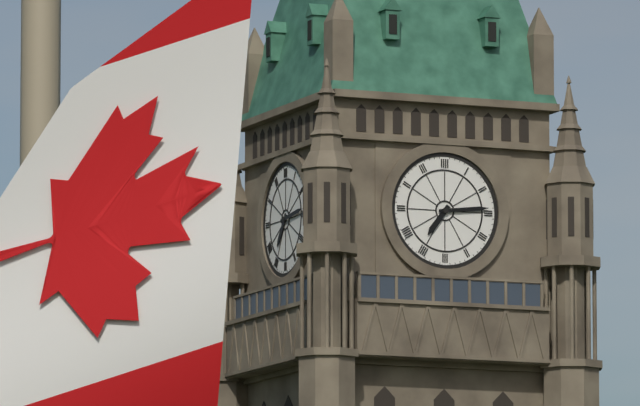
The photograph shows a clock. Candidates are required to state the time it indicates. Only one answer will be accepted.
7:14
